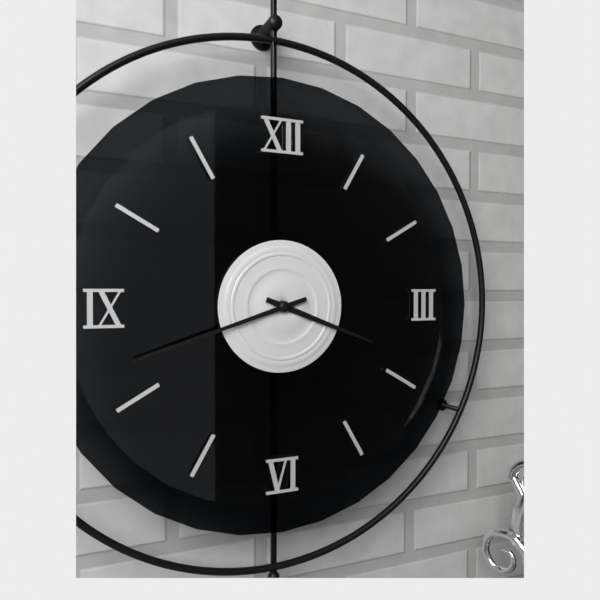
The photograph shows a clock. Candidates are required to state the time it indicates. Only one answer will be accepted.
3:42
